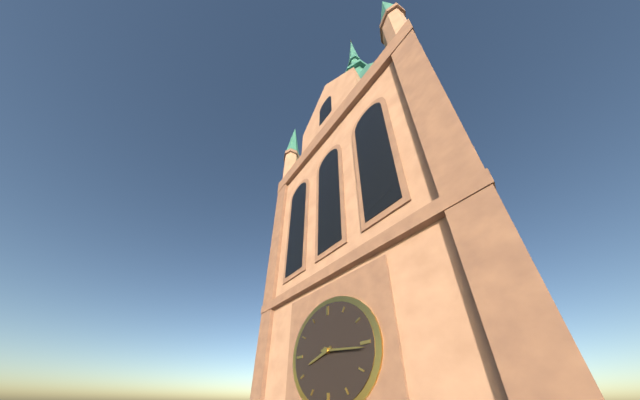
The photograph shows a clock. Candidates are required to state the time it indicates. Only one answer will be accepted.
8:16
